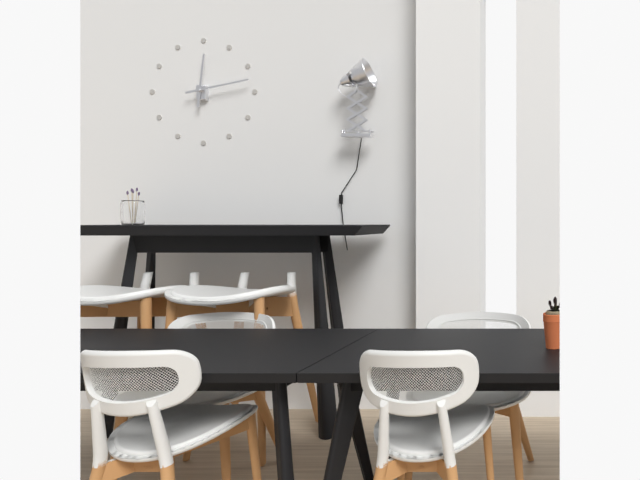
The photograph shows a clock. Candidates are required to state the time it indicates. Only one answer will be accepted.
12:13
